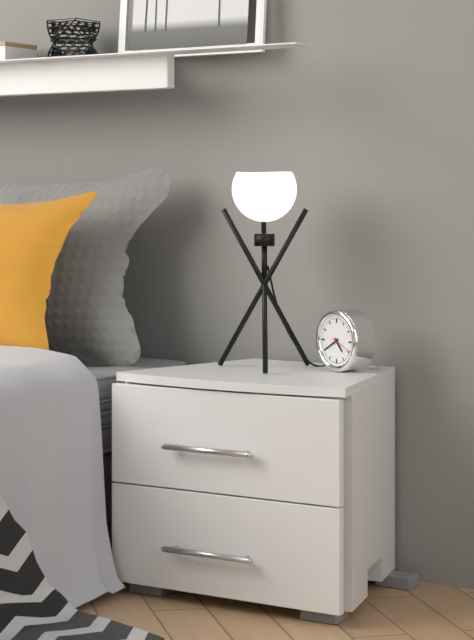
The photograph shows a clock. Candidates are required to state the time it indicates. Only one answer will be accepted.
4:40
